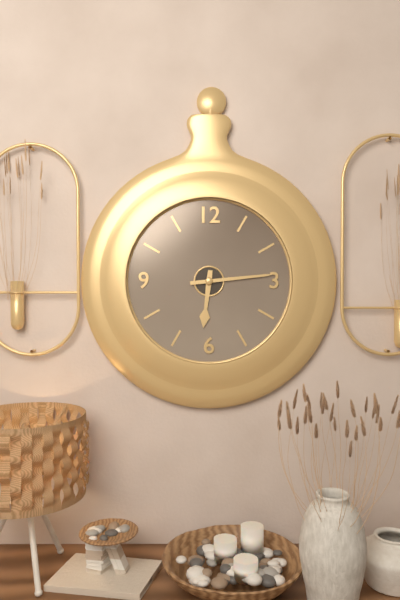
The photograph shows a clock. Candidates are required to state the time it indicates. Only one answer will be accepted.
6:14
